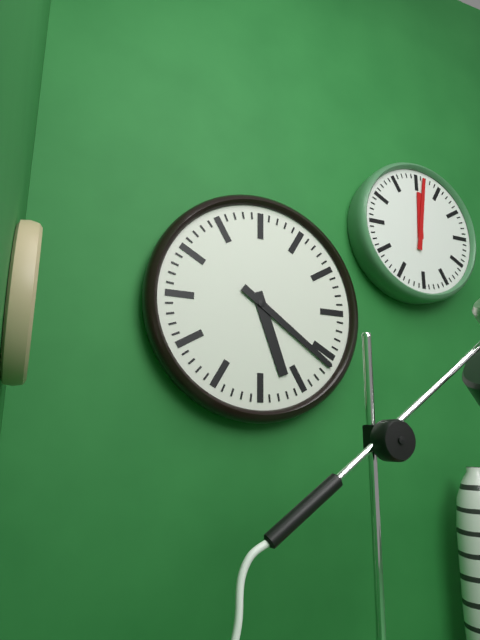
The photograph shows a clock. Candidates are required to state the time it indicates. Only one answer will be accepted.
5:21
